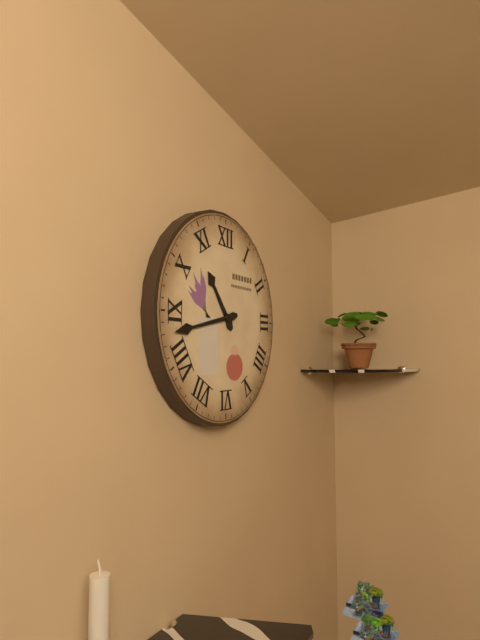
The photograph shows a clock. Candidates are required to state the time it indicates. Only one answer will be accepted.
10:43
